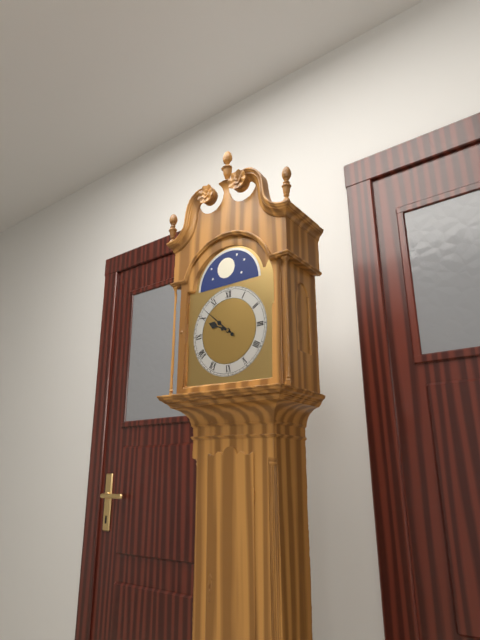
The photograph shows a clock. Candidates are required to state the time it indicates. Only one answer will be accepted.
9:52
